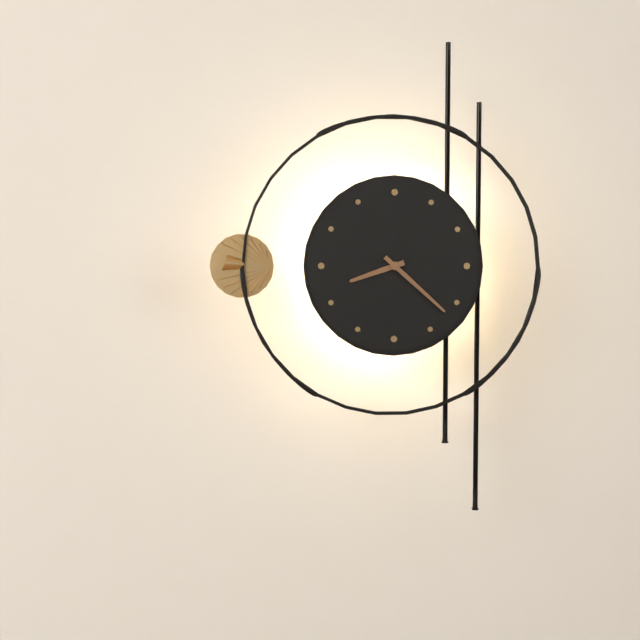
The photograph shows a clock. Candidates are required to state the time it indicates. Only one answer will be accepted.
8:22
